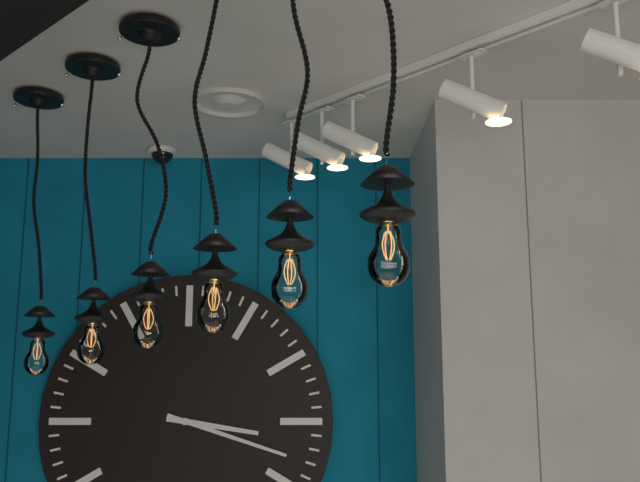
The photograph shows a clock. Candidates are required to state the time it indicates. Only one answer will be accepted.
3:18
